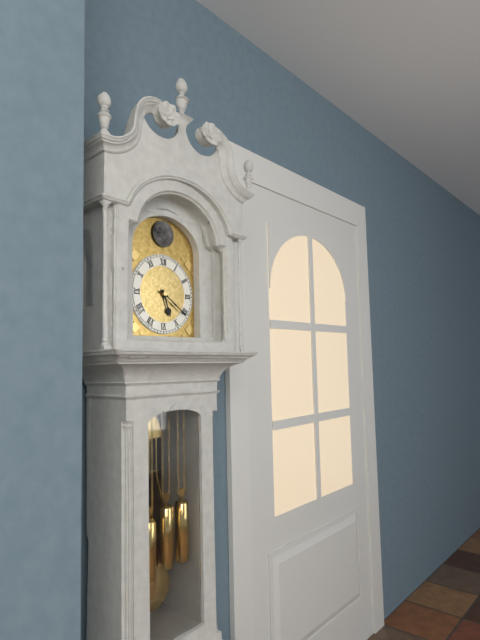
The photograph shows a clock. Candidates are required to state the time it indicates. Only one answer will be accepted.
5:21
